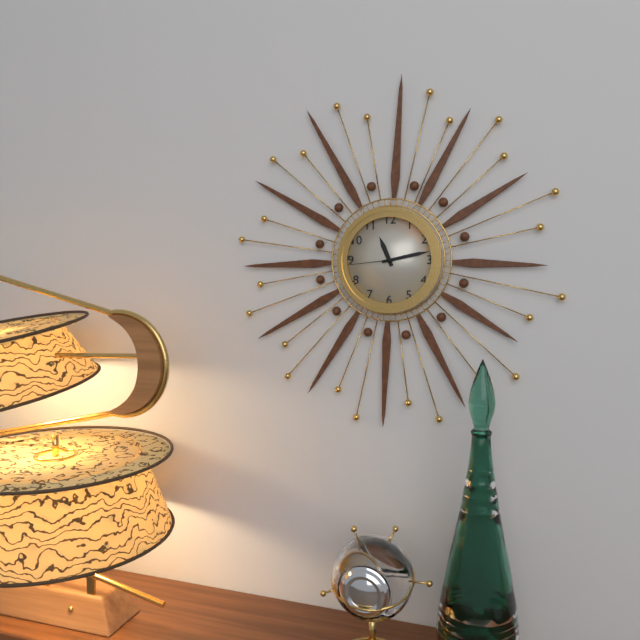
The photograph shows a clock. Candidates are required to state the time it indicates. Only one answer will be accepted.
11:13:44
